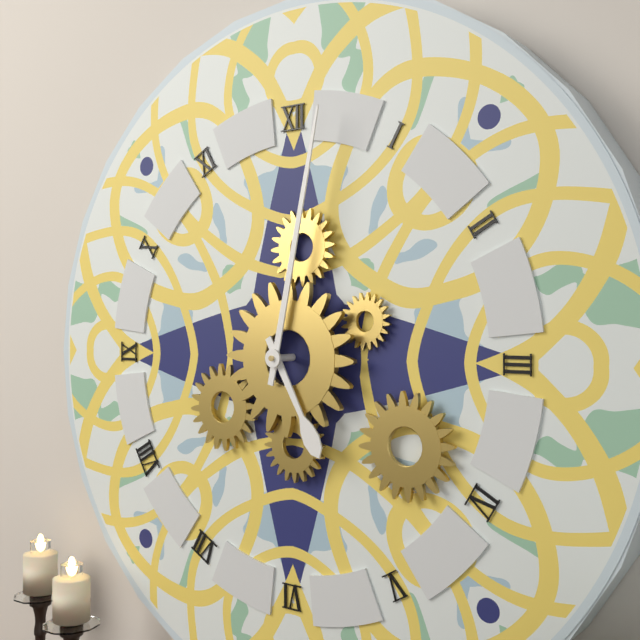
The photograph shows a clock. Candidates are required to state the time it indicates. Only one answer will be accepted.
5:02
